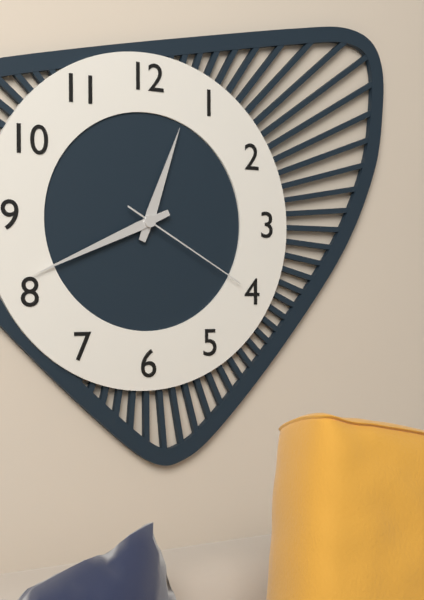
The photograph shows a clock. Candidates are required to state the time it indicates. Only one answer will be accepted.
12:41:20
